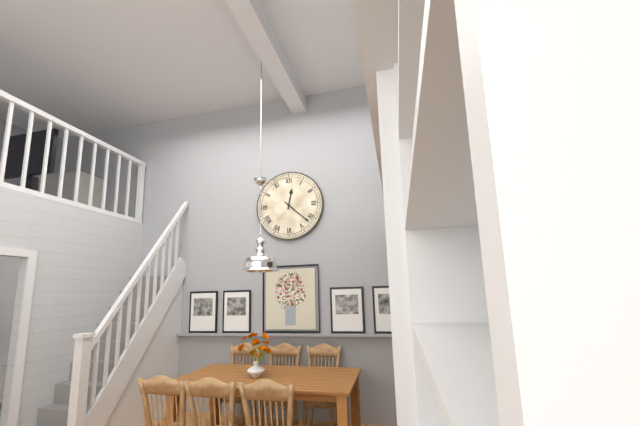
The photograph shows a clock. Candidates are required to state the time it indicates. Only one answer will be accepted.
12:22
